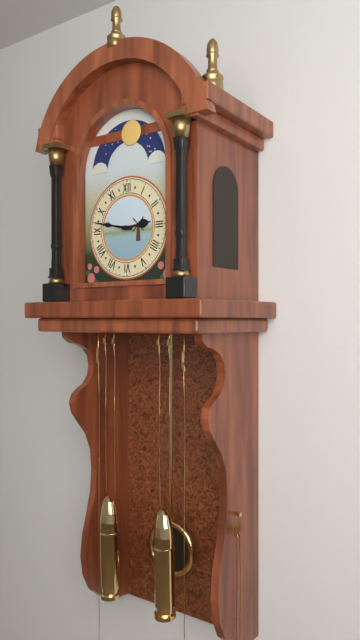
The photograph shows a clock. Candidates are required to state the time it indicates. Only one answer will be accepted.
2:47
